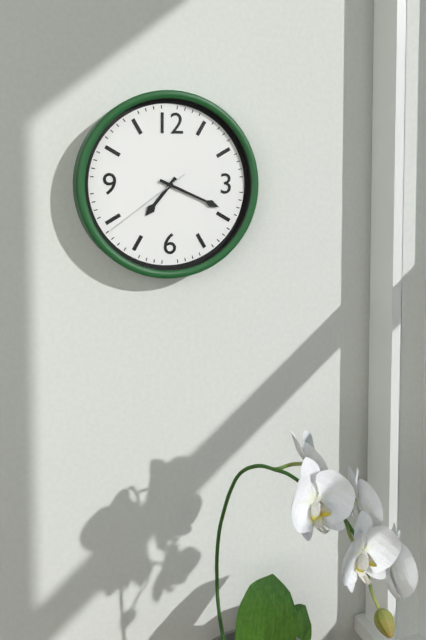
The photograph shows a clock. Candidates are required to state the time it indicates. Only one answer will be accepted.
7:19:39
